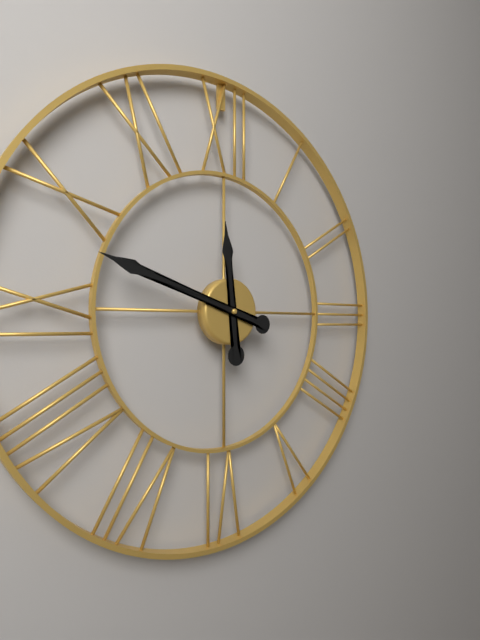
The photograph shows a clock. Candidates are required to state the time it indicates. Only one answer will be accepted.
11:48
